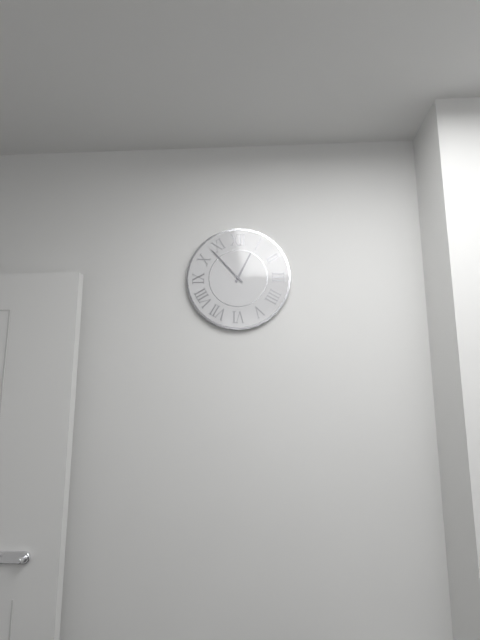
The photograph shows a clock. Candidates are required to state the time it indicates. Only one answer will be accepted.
12:53
